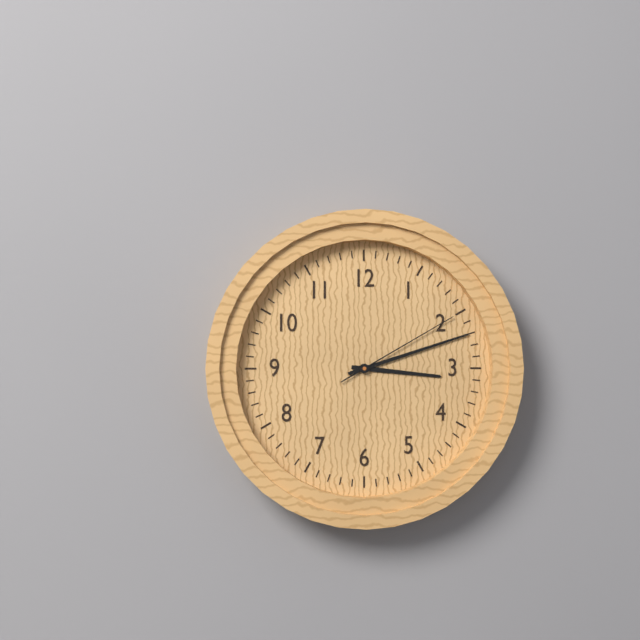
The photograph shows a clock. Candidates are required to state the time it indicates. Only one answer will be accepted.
3:12:10
